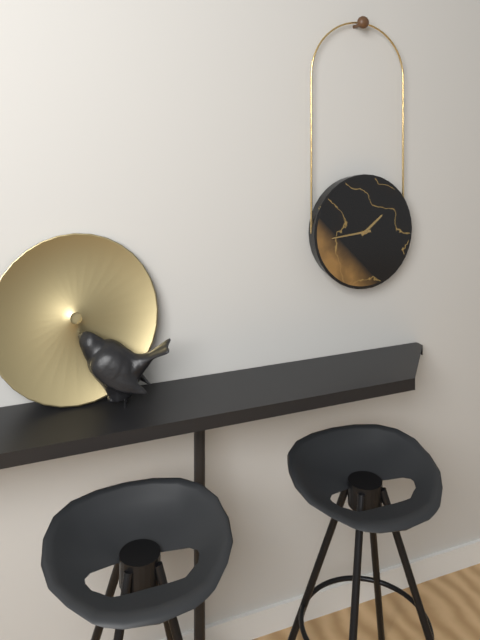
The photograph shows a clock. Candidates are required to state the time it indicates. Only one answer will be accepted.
1:44
